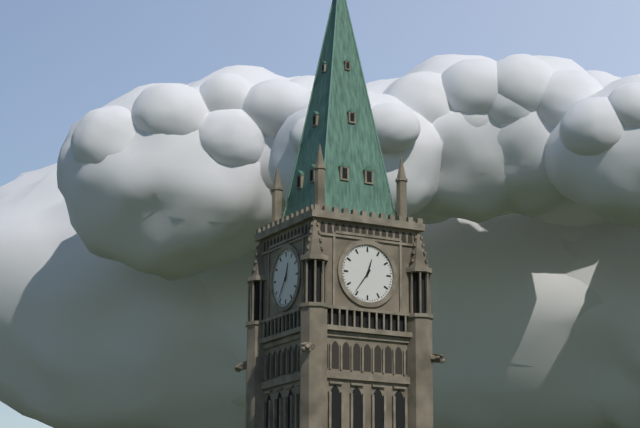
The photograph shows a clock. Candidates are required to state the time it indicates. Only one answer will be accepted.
12:36
